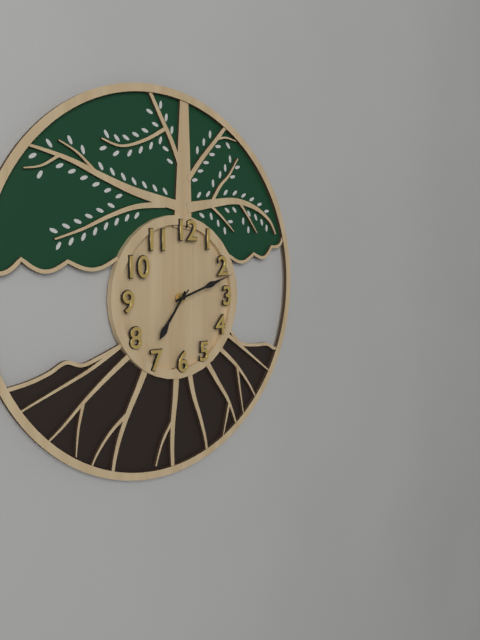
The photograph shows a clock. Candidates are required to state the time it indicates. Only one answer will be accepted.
7:12
